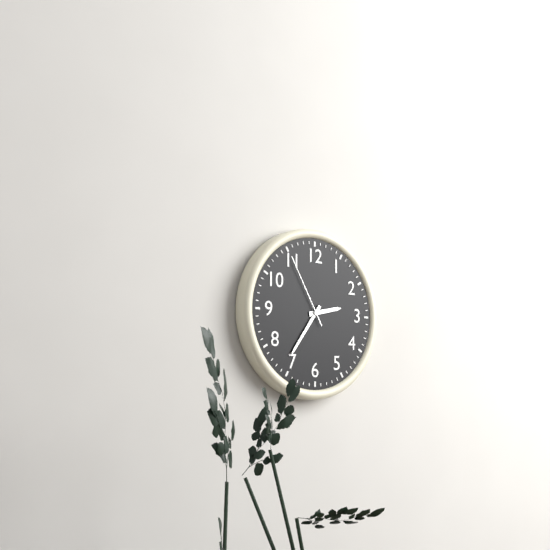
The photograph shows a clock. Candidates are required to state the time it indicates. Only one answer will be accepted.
2:36:55
